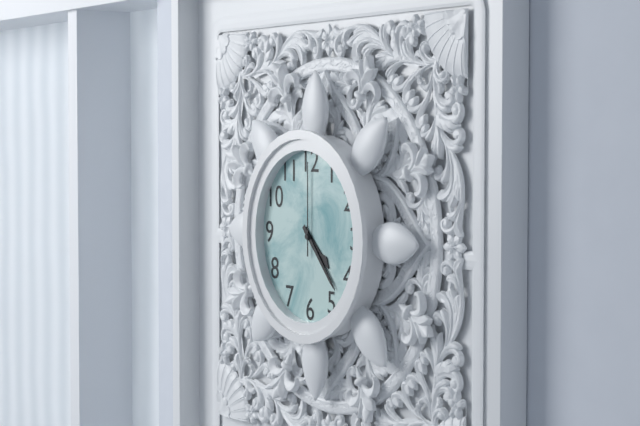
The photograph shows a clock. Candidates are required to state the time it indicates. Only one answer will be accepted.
4:23:00
